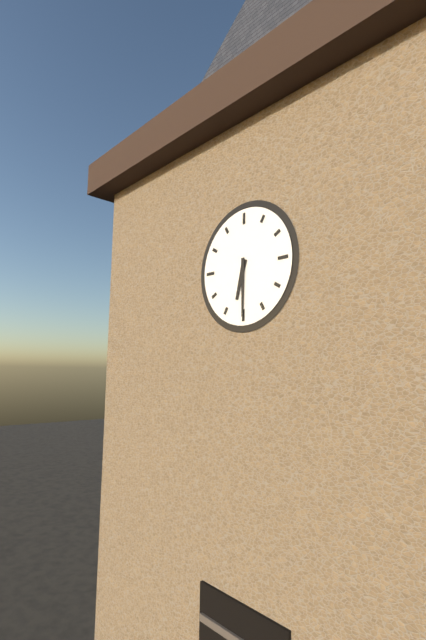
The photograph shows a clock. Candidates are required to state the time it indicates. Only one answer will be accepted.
6:30
